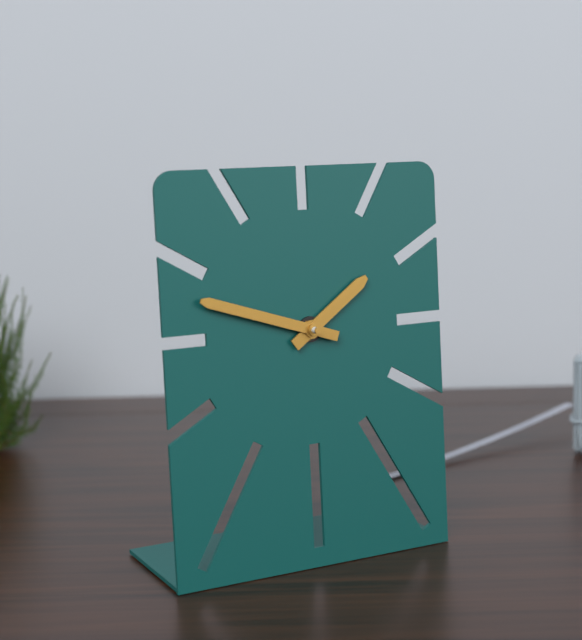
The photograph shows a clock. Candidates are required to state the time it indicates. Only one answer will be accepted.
1:48
